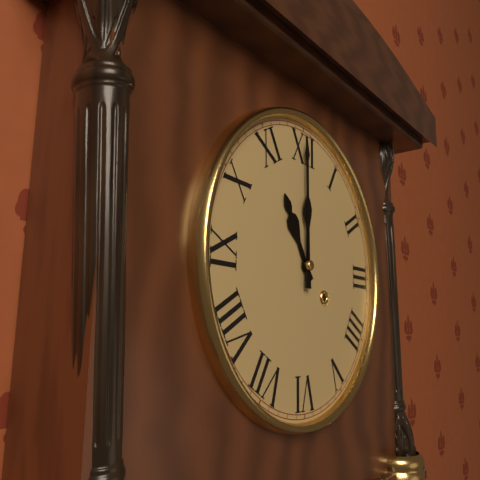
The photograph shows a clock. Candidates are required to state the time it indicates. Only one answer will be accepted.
11:00
